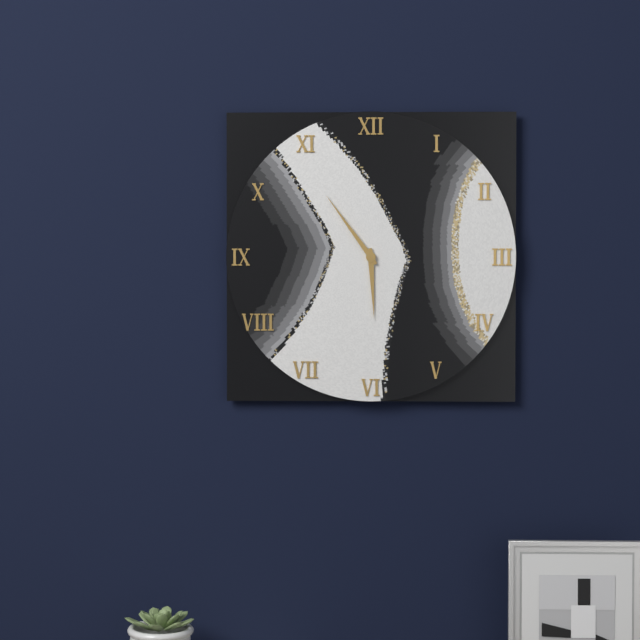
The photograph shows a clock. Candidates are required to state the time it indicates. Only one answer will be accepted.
5:54
